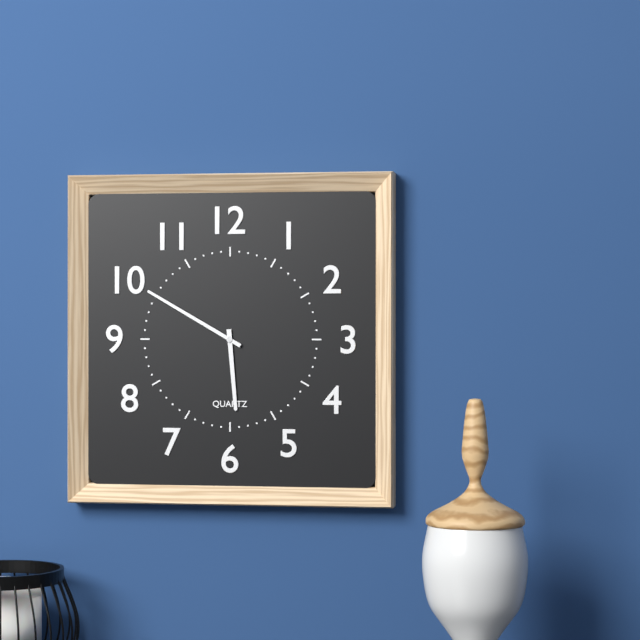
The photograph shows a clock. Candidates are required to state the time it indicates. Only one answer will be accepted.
5:50
